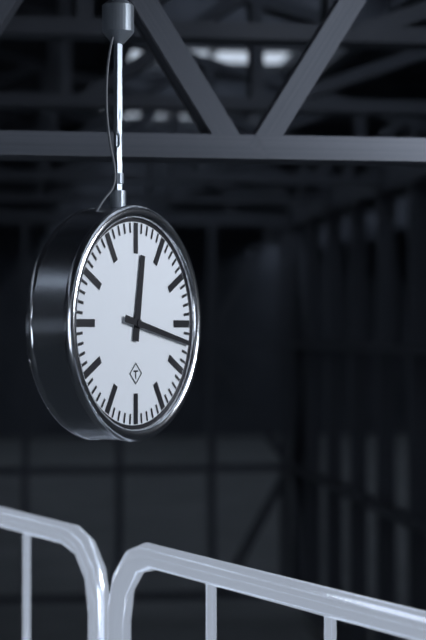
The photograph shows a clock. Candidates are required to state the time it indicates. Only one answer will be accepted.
12:17
